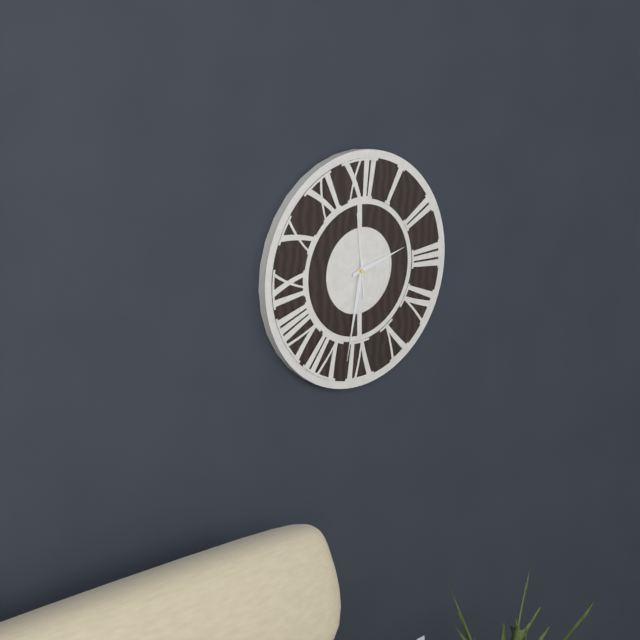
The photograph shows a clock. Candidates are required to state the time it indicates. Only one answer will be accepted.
2:32:59
